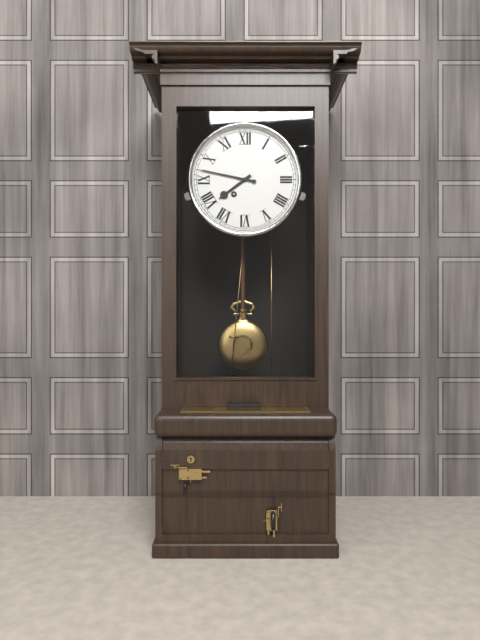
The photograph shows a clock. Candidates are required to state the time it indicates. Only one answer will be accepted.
7:47
